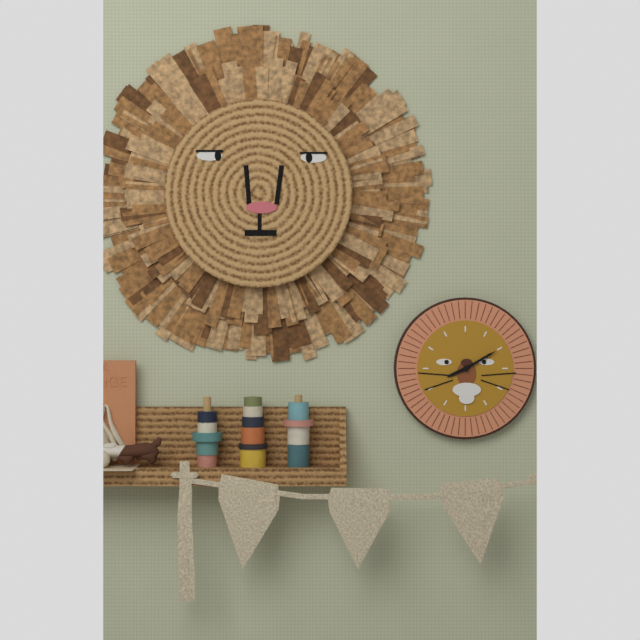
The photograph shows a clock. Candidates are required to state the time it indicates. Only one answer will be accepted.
8:10
